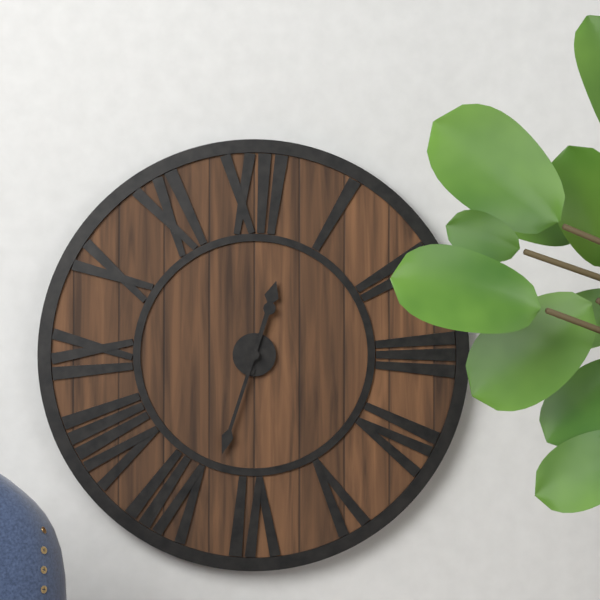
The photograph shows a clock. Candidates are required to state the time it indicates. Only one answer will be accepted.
12:33
